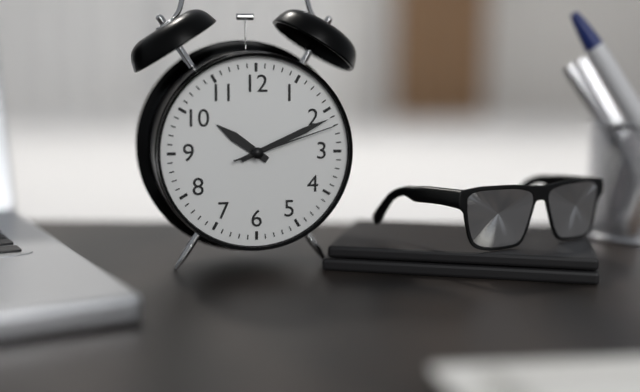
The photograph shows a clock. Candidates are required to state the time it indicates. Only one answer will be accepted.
10:11:12
